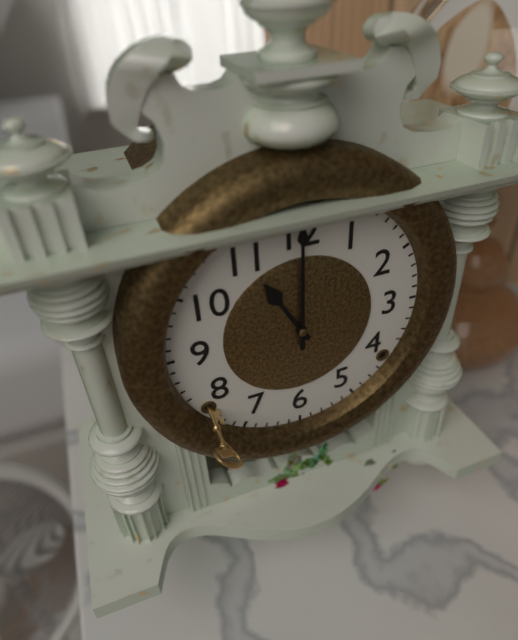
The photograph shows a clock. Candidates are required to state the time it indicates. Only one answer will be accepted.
11:00
